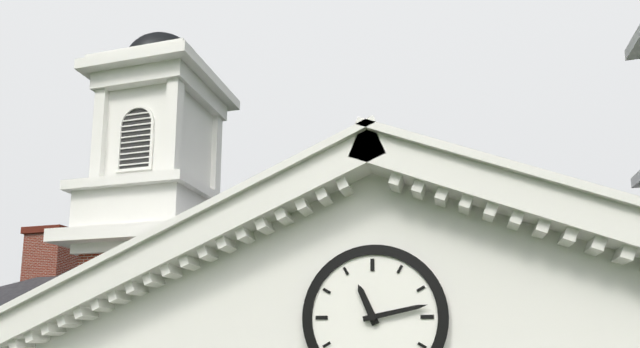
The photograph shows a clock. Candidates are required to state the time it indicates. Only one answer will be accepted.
11:13
